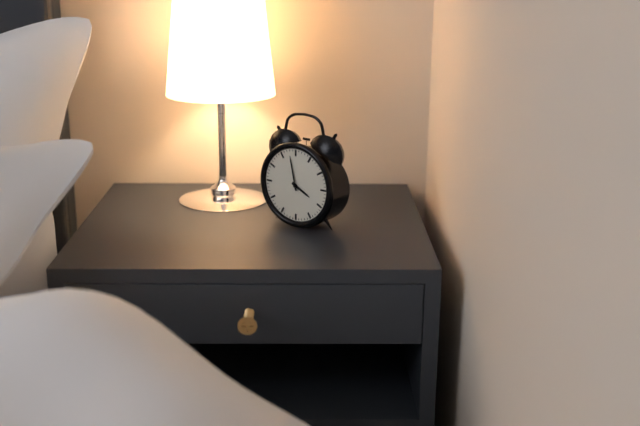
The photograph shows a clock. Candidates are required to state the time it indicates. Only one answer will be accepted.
3:58
